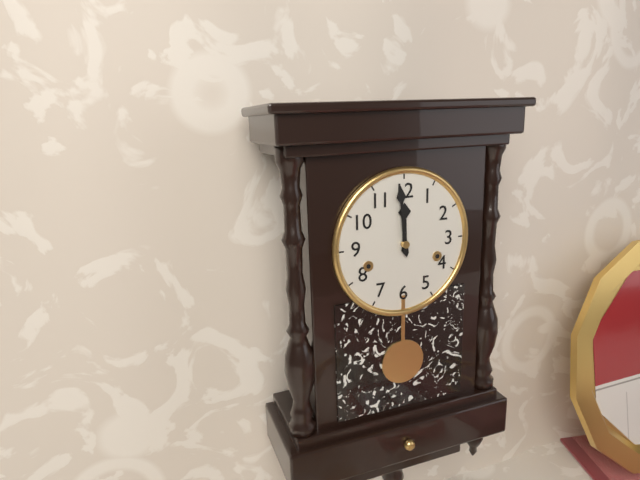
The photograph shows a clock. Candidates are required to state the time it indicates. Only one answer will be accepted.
11:59
